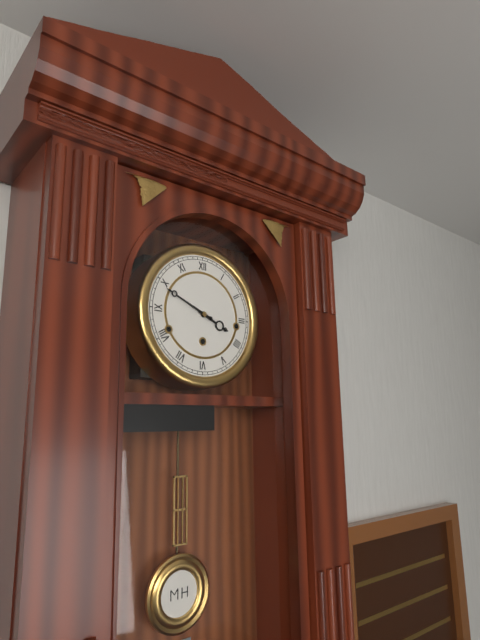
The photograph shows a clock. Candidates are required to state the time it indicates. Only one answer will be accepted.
3:49
